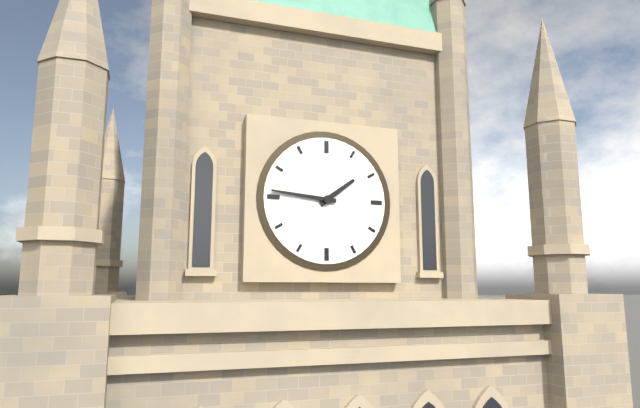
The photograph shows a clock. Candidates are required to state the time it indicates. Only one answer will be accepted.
1:46
